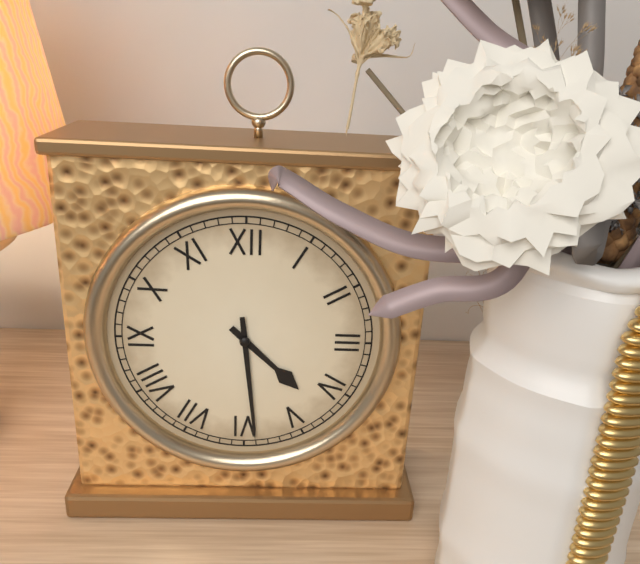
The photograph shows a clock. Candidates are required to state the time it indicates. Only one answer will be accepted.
4:29
